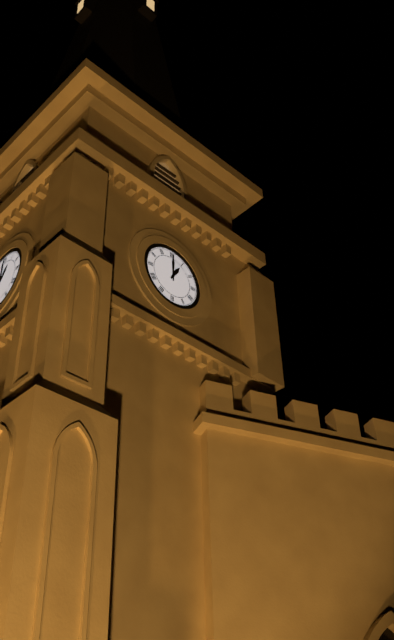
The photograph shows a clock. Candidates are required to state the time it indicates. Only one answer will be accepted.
1:00
